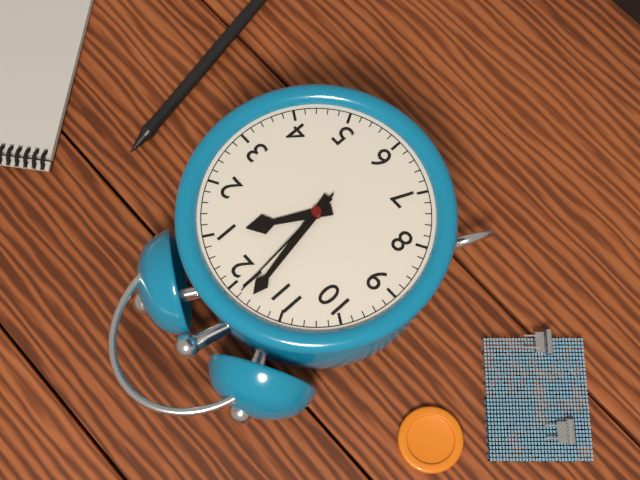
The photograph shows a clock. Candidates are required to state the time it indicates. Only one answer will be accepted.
12:58:59
